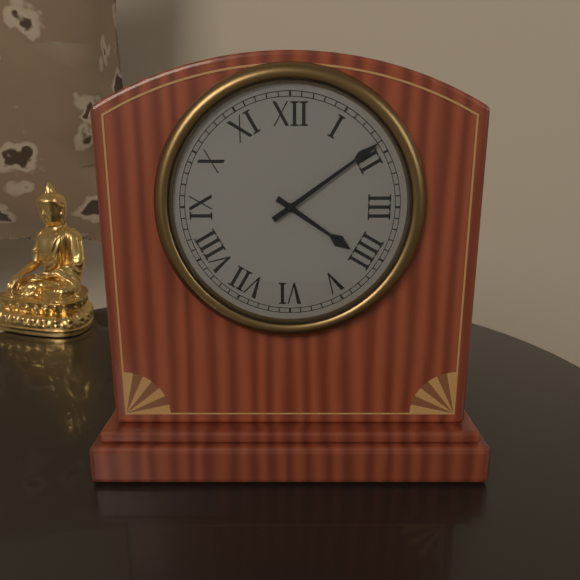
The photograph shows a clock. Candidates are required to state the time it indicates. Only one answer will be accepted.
4:09
